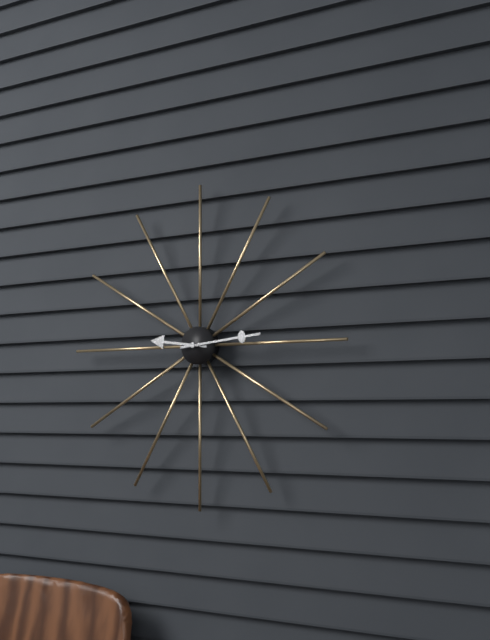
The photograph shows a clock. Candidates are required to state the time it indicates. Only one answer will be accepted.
9:14
